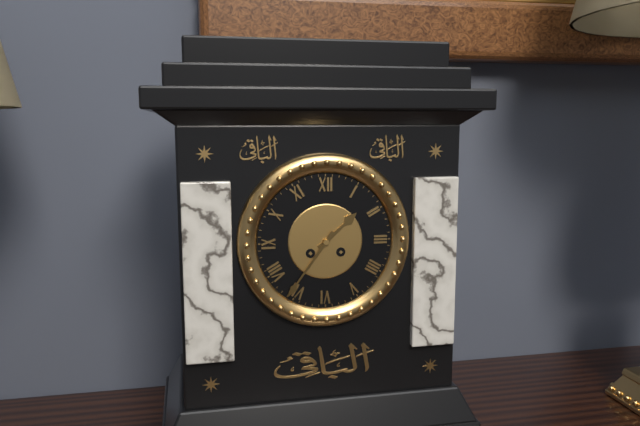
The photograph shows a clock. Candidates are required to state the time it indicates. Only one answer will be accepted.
1:36
